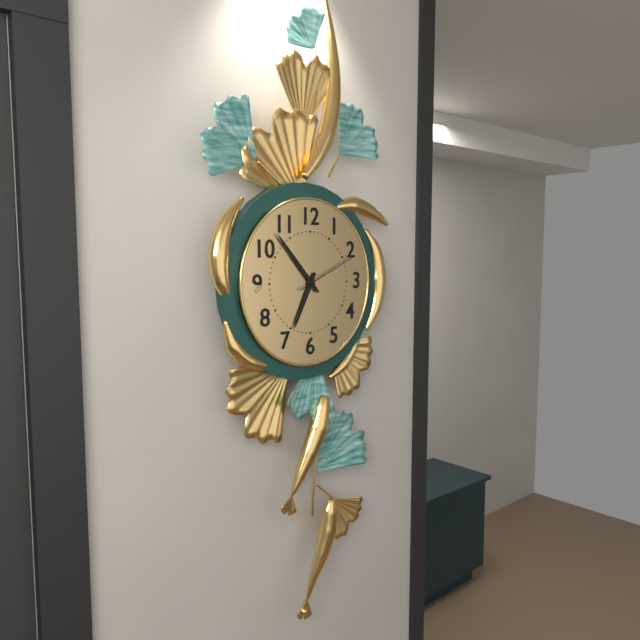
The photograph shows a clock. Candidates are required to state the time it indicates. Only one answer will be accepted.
6:53:11
